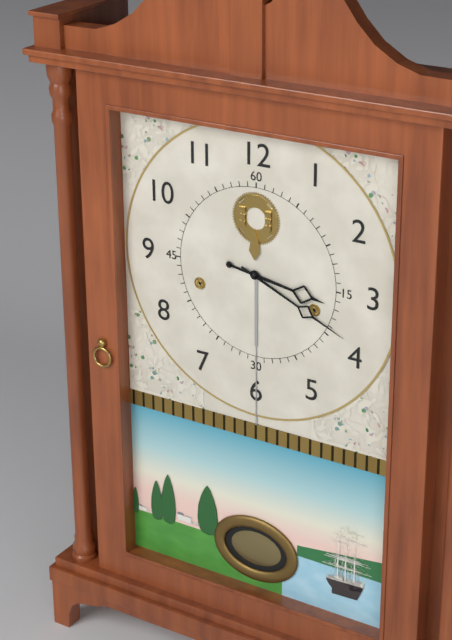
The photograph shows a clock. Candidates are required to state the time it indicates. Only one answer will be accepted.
3:19
